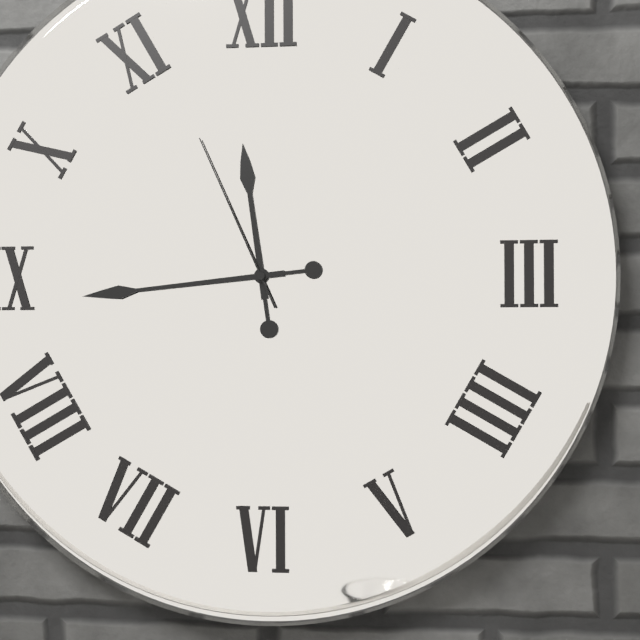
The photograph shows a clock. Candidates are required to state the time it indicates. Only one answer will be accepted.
11:44:56
